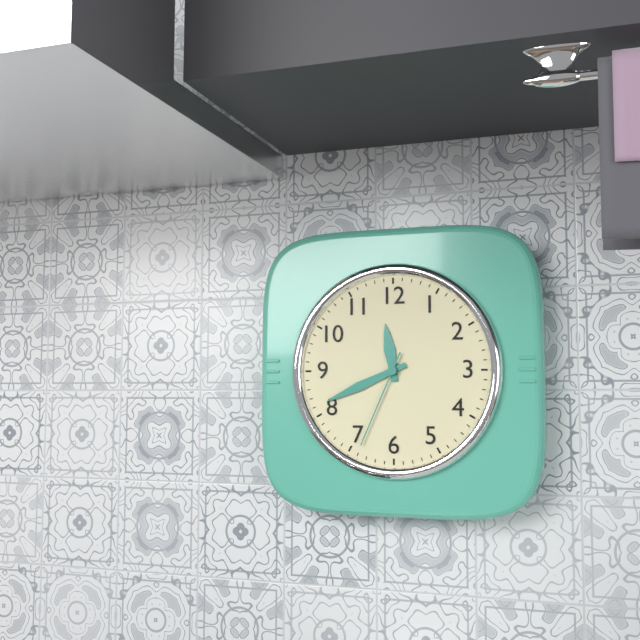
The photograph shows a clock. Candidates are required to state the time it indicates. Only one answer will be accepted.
11:41:34
